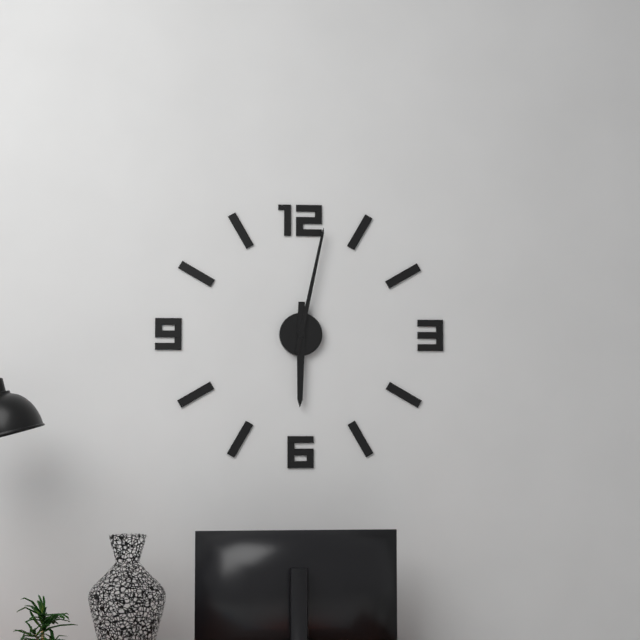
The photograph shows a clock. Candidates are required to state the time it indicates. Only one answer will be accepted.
6:02
